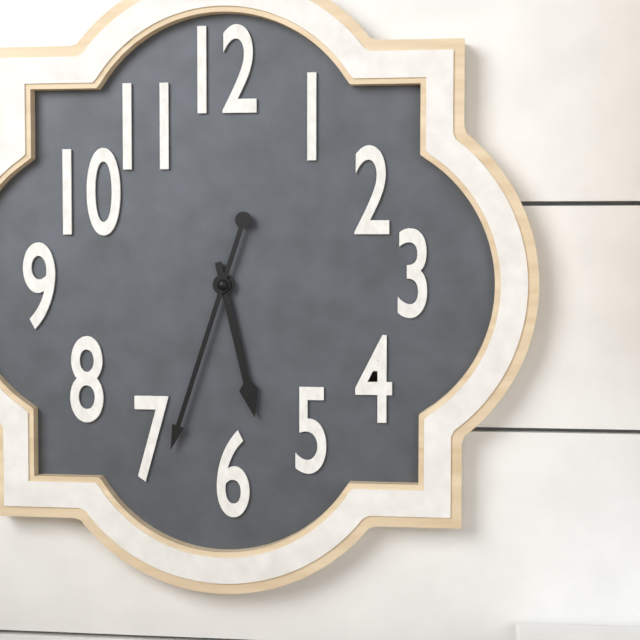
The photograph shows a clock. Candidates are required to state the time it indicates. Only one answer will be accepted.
5:33
